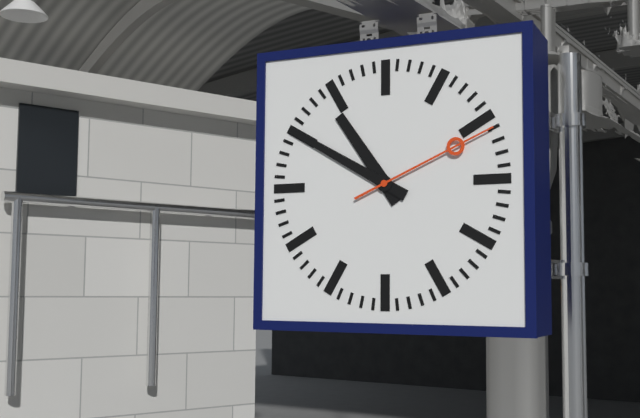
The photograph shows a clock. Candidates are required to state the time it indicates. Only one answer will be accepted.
10:50:11
